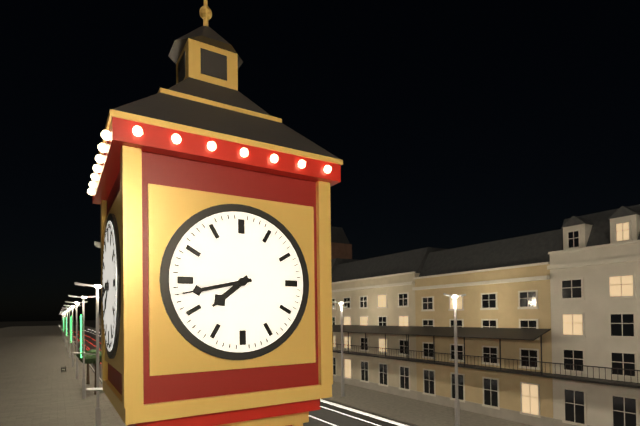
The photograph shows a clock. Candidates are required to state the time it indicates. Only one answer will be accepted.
7:43
